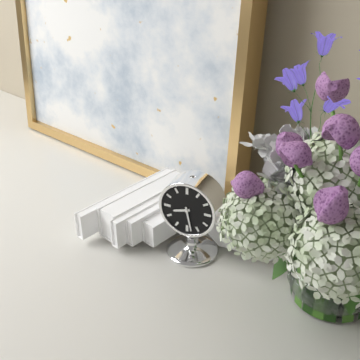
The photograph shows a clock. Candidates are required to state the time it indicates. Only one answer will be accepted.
8:28
